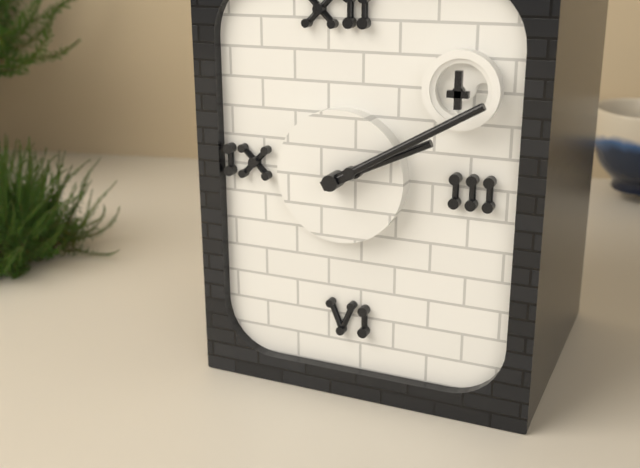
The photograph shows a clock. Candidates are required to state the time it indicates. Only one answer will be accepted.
2:10
